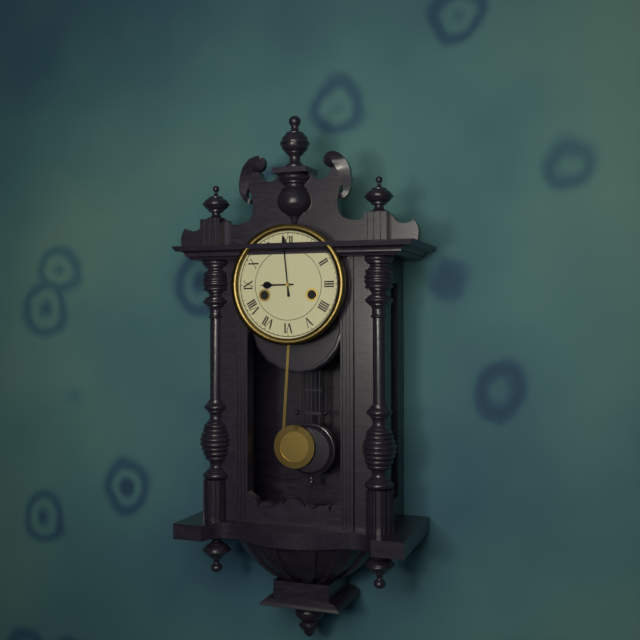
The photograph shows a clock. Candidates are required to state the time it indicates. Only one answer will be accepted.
8:59
